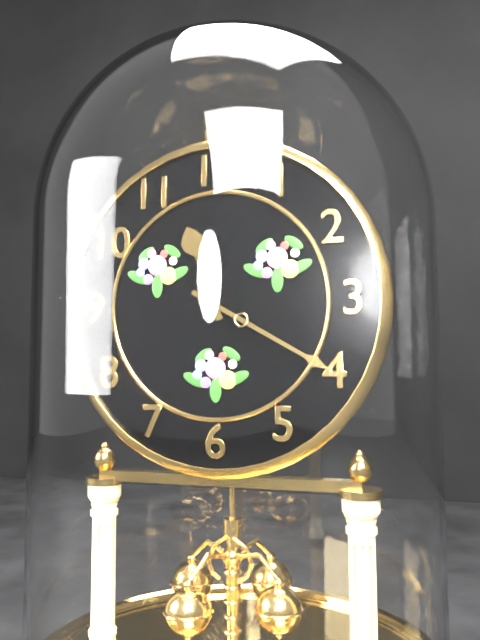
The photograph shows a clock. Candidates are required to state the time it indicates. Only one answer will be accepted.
11:20
